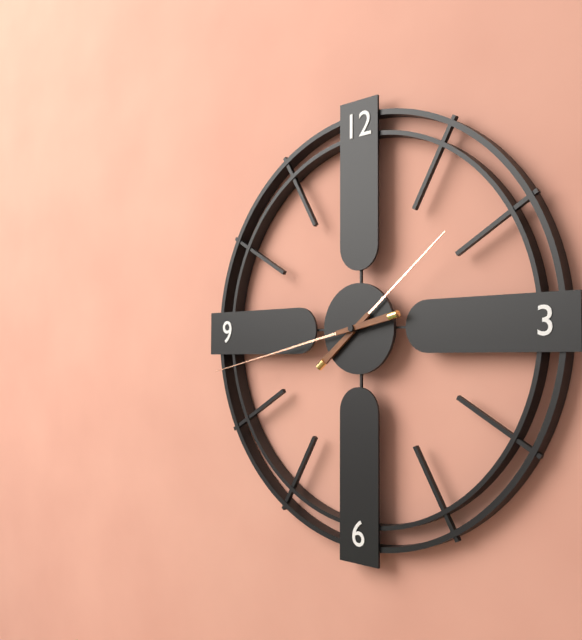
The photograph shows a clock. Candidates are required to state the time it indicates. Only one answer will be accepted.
1:43
